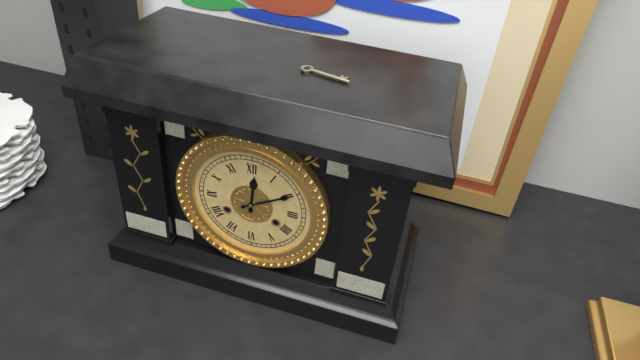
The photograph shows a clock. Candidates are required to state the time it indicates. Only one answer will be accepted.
12:10
